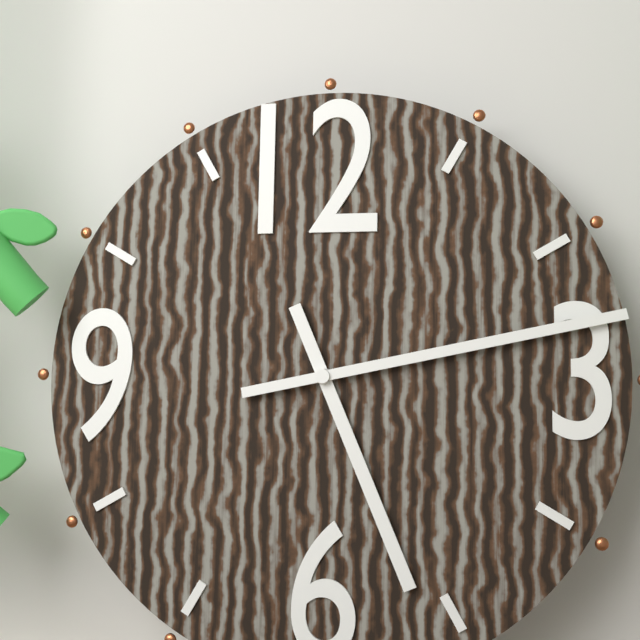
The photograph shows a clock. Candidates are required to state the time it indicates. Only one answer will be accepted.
5:13
